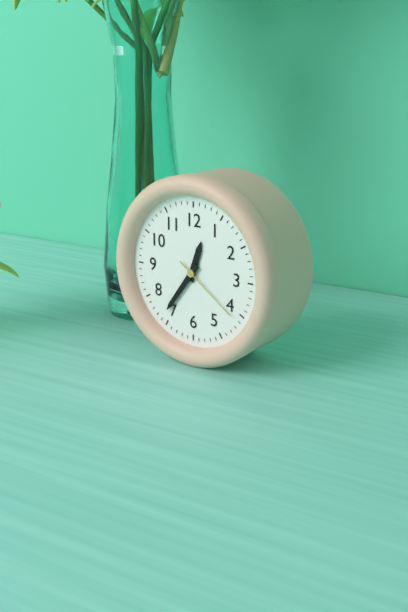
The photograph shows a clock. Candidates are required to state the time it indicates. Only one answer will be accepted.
12:36:21
